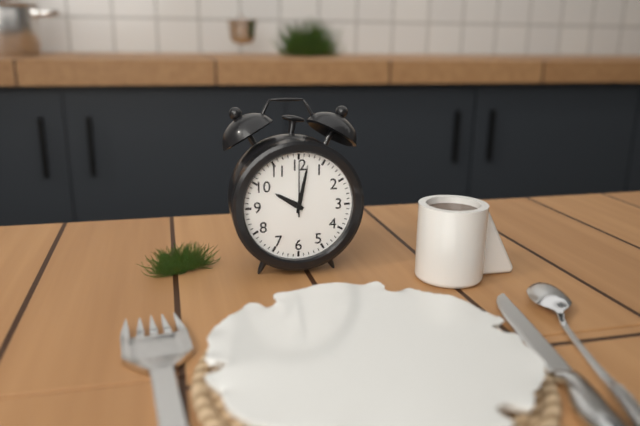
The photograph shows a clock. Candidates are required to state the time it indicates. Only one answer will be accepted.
10:02
